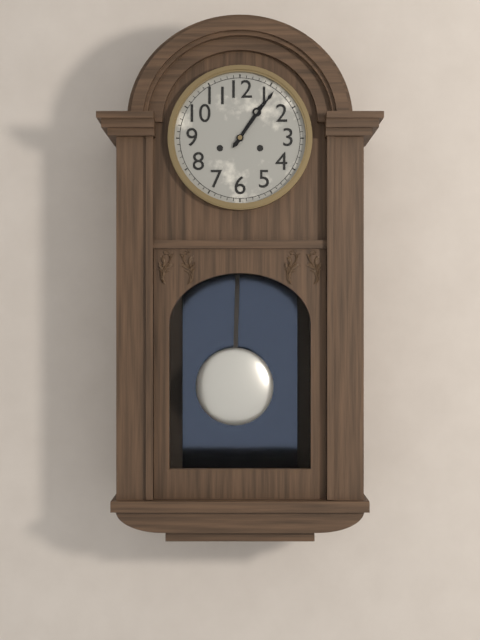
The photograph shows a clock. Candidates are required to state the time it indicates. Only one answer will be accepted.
1:06
